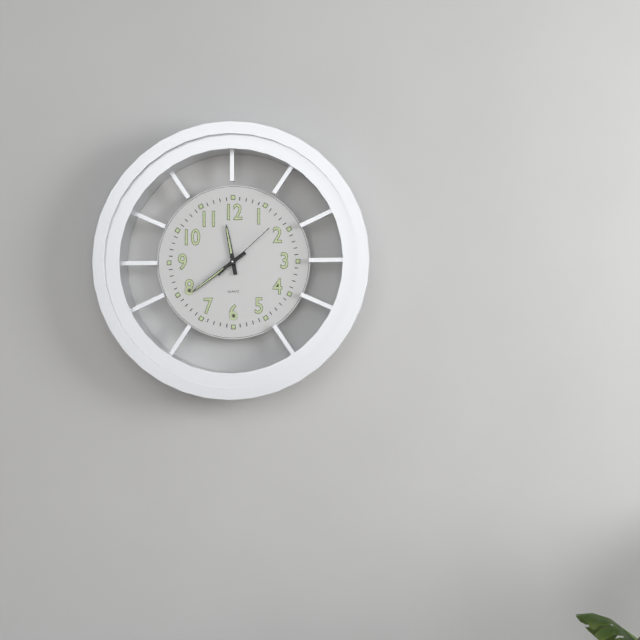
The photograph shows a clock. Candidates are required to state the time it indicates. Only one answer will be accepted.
11:39:08
